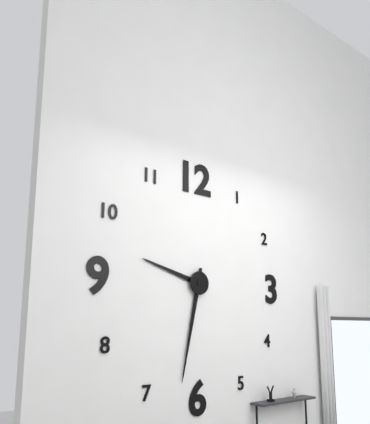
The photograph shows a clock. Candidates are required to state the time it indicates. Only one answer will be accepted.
9:32
